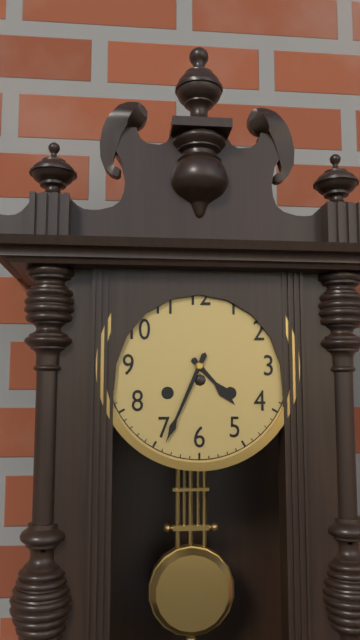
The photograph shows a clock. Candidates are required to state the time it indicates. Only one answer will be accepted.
4:34
